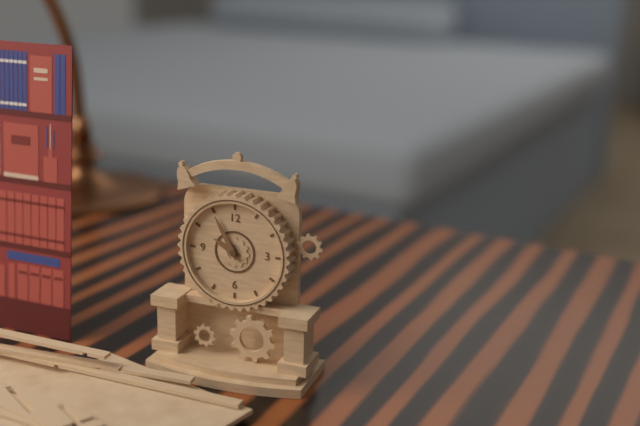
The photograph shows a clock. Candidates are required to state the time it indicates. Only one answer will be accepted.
9:55
